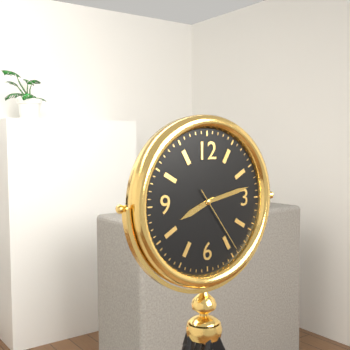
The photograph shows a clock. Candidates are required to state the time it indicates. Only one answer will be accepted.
8:13:24
